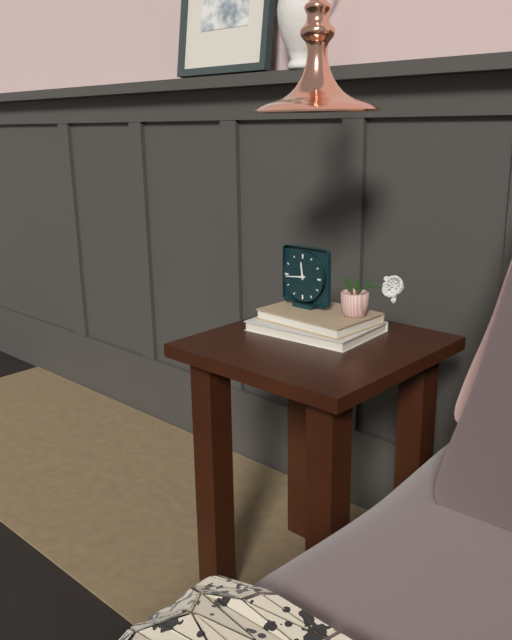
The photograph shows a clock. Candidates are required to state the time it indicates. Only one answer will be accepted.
11:44
